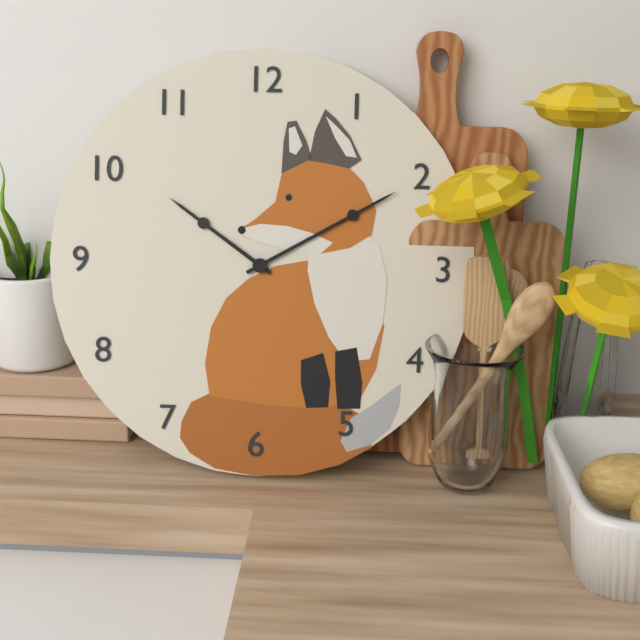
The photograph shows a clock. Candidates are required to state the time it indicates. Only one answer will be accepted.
10:10
